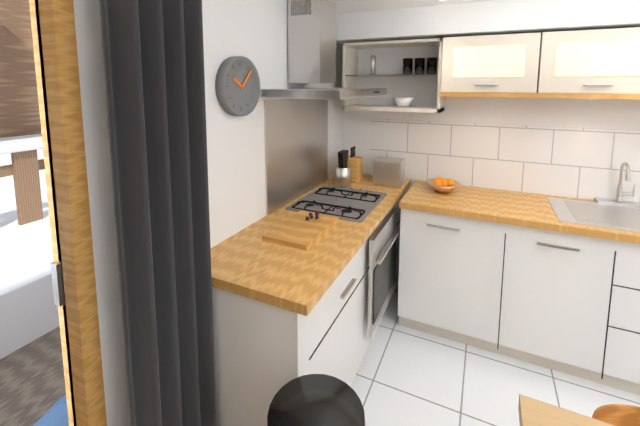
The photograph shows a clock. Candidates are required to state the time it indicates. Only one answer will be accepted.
10:07
